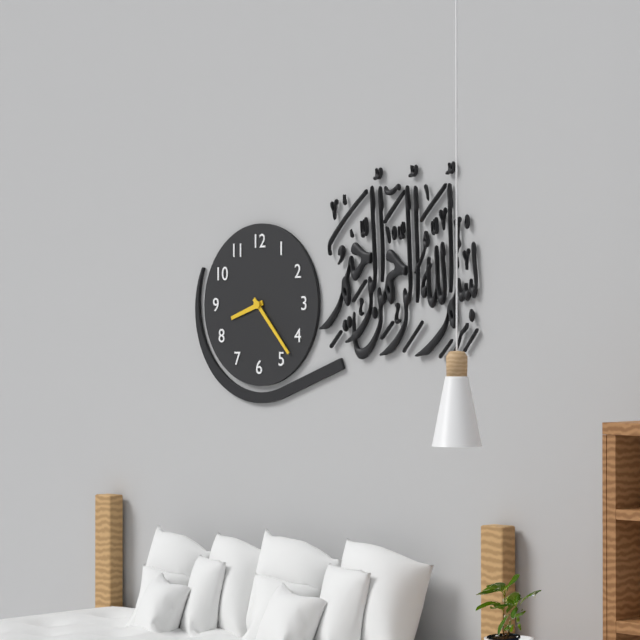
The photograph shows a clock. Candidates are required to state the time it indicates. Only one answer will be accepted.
8:23
